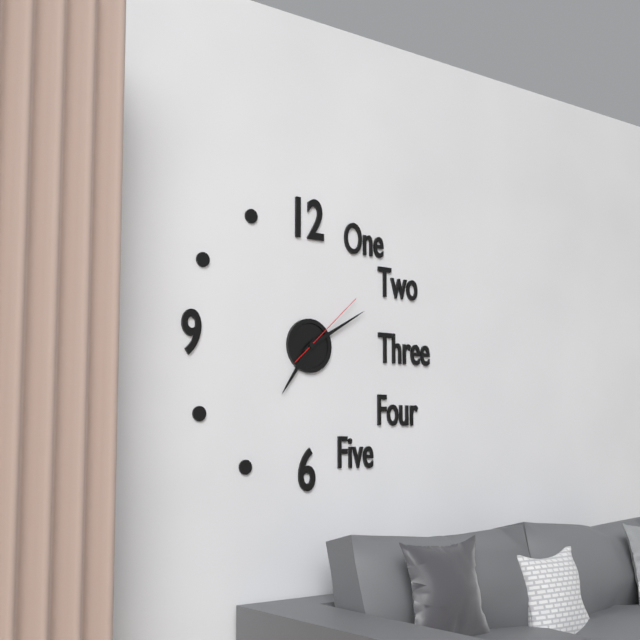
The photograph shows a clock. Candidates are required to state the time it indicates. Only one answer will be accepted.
7:10:08
